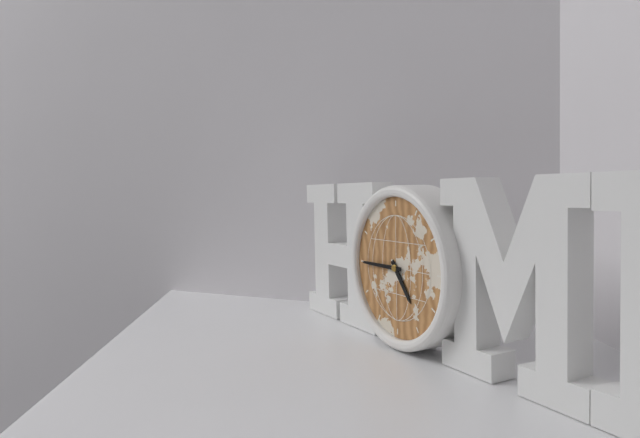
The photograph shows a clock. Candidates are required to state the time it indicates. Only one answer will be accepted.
4:45
